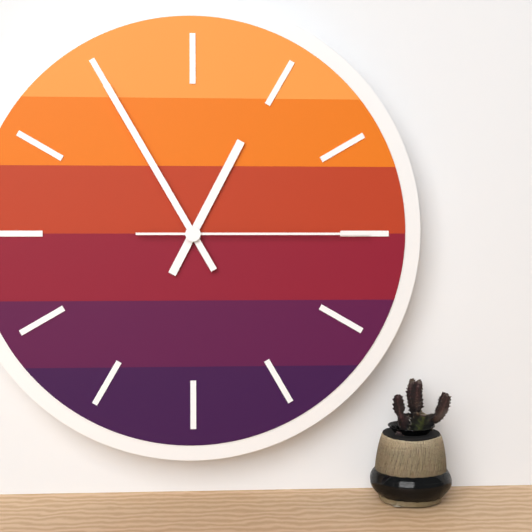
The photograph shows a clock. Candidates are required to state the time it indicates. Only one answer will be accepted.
12:55:15
